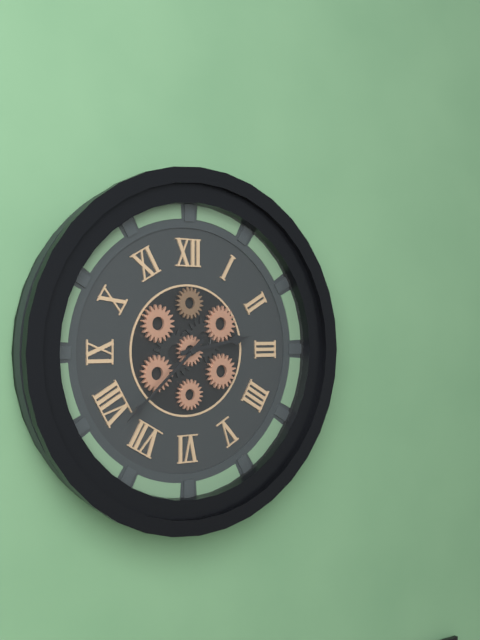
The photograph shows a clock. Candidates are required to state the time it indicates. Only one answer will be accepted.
2:38
